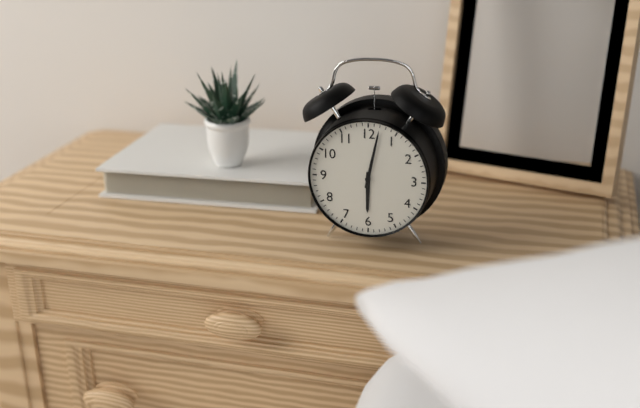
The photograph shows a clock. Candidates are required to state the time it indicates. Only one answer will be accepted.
6:02
